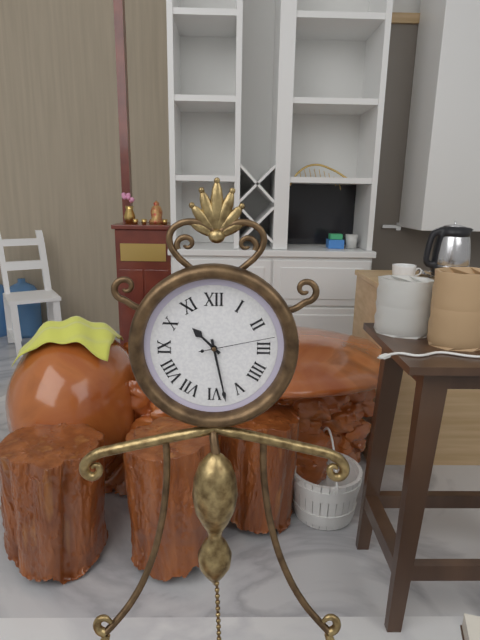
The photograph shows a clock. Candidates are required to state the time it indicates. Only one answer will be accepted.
10:28:13
